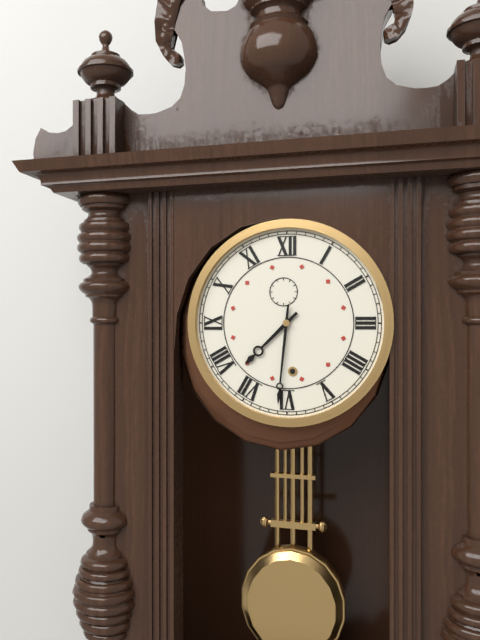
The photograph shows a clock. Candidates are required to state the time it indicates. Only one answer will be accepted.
7:31
